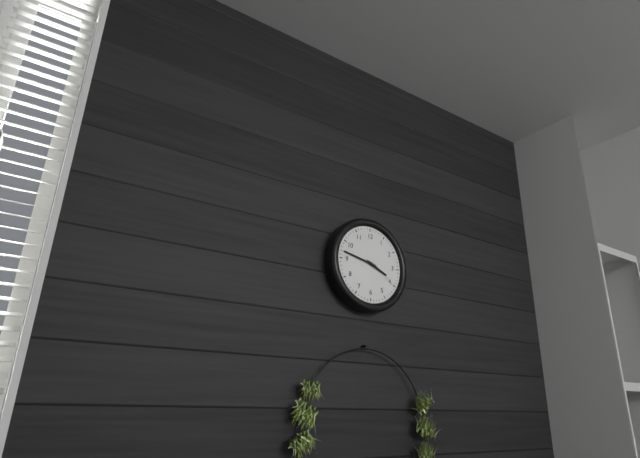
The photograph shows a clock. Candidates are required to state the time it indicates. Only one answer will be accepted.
3:47
